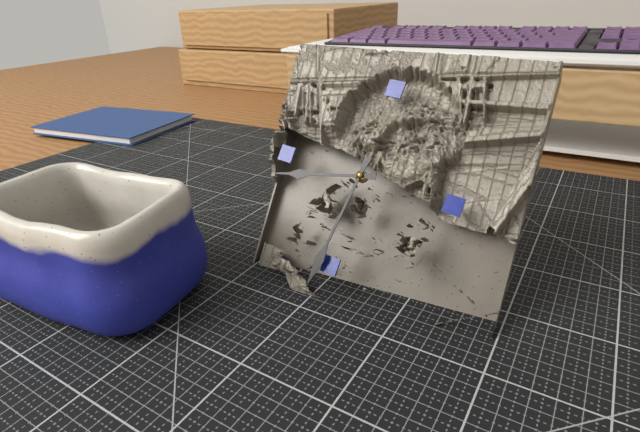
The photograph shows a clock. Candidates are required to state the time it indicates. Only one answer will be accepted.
8:31
